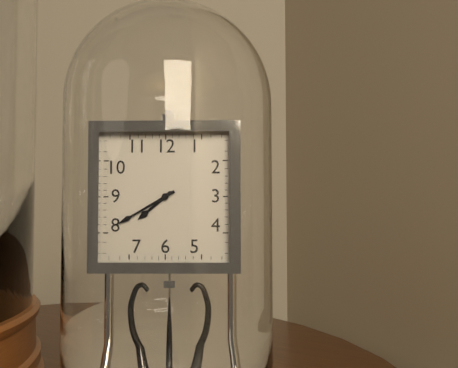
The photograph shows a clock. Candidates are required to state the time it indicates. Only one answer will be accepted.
7:40
